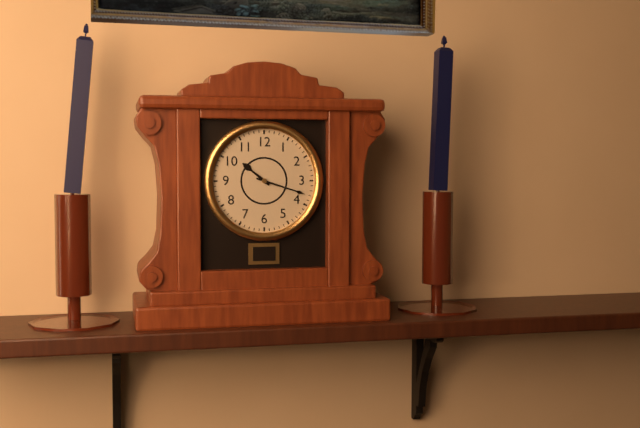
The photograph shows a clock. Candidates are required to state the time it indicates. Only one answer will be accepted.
10:18
